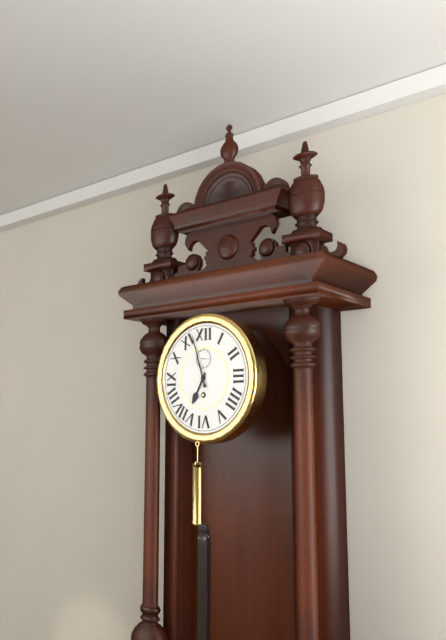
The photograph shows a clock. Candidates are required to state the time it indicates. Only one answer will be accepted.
6:57
